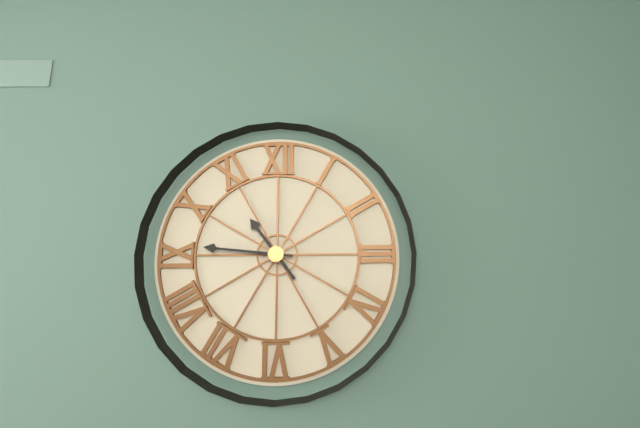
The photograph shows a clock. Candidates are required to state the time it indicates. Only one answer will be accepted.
10:46
